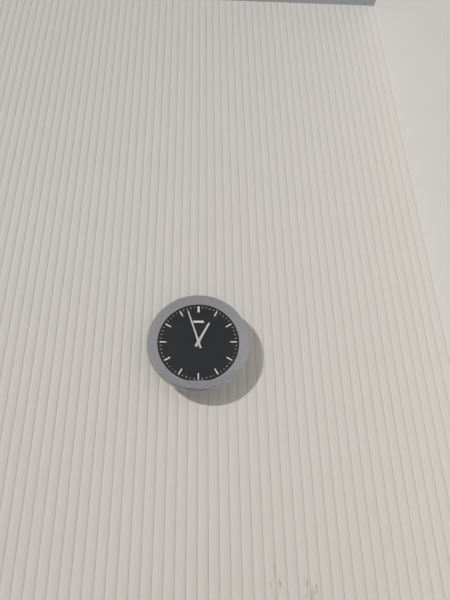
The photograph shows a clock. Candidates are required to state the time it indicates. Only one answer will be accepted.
12:57
